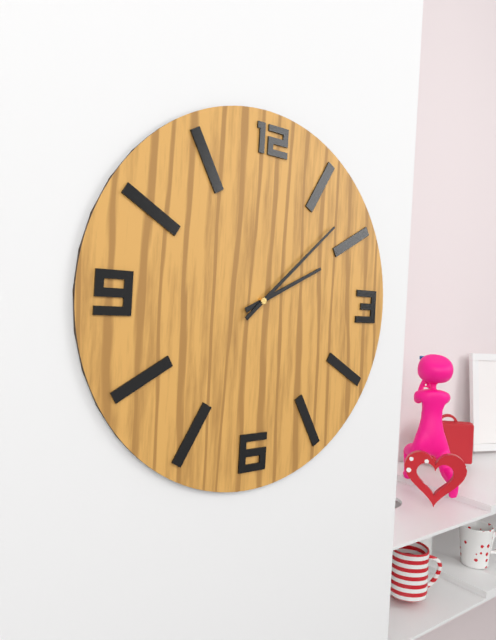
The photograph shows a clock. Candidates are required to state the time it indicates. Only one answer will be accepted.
2:08
